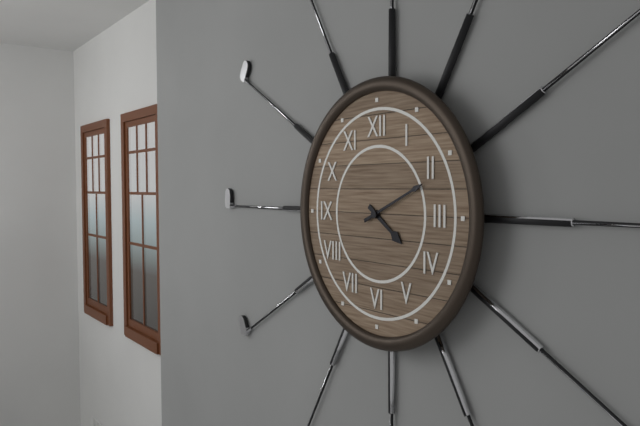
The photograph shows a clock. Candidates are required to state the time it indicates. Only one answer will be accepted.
4:11
